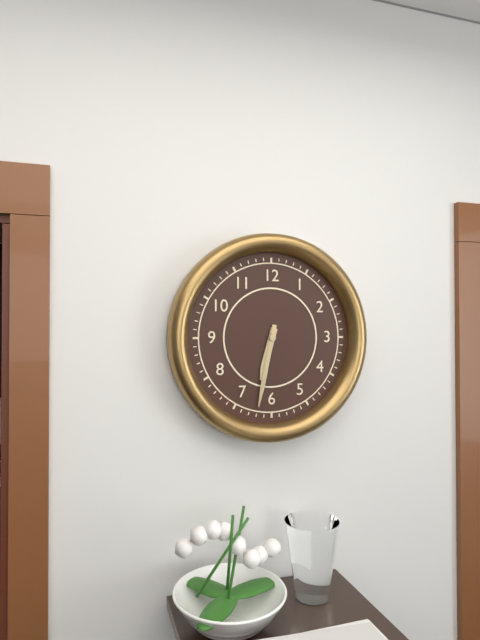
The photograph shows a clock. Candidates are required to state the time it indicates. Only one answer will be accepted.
6:32
